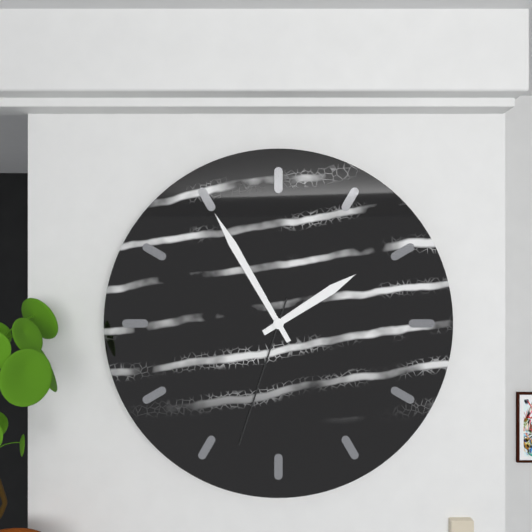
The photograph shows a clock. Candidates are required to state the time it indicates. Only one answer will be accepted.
1:55:33
